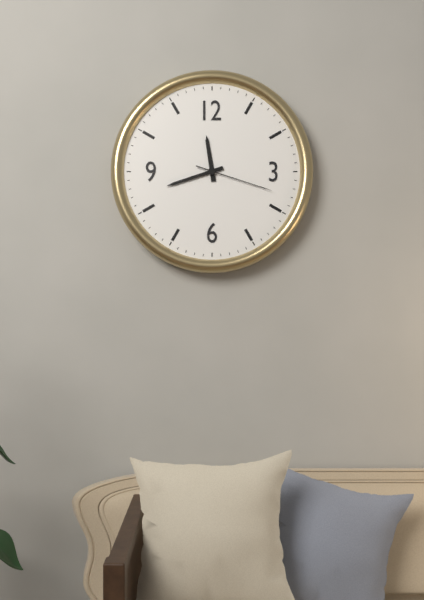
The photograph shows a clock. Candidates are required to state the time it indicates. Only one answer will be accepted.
11:42:18
